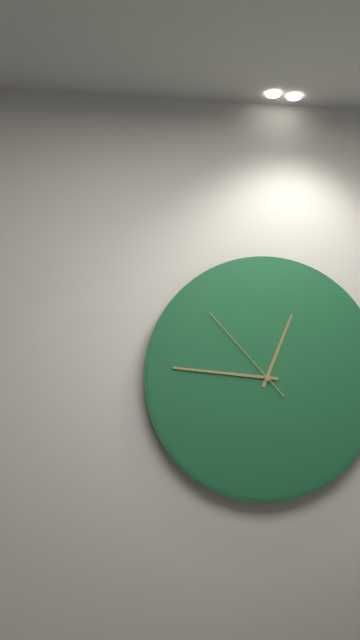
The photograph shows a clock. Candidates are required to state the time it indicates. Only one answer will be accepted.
12:46:53
